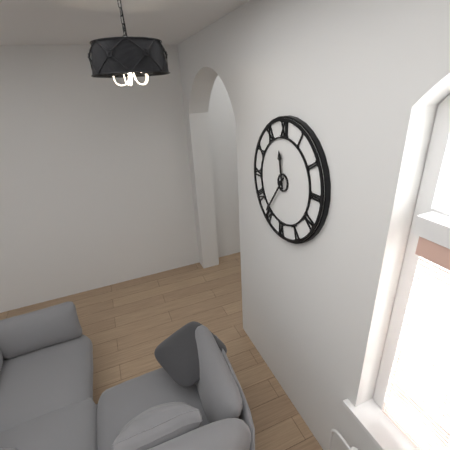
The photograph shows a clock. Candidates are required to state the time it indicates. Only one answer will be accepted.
11:36
